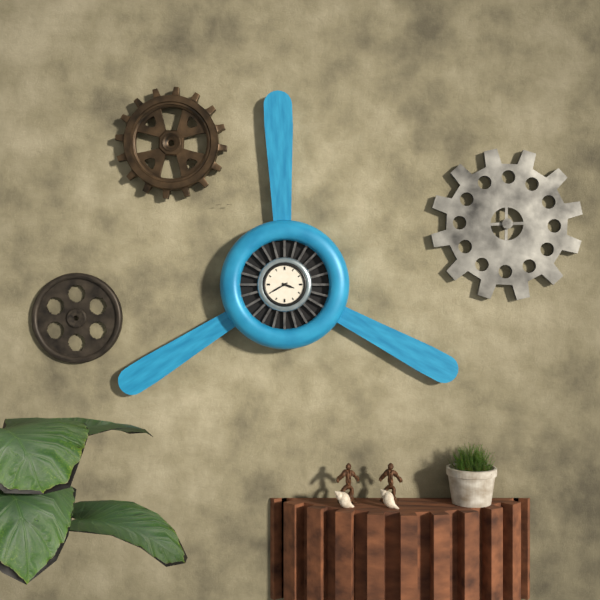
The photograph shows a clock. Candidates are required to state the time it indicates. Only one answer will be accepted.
3:40
